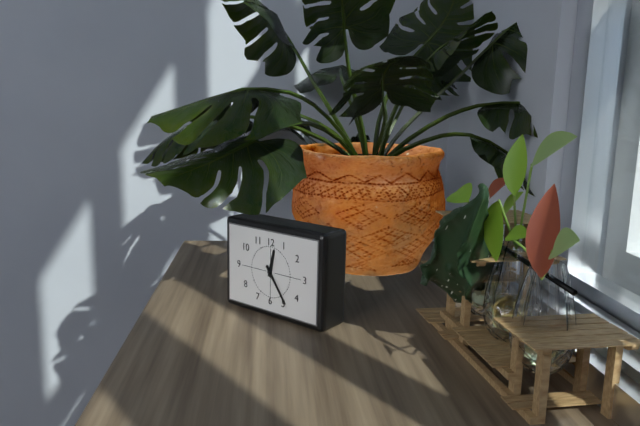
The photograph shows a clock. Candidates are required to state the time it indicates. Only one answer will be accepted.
12:24
